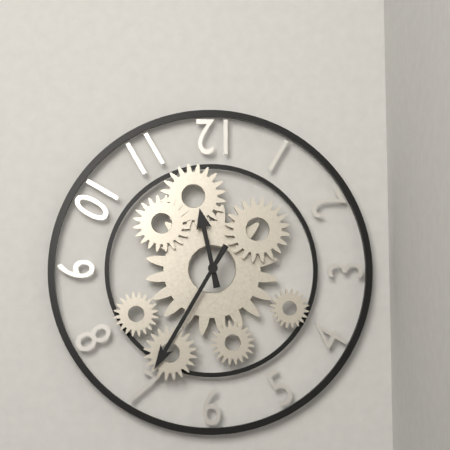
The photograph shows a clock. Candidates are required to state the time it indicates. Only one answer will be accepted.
11:35
